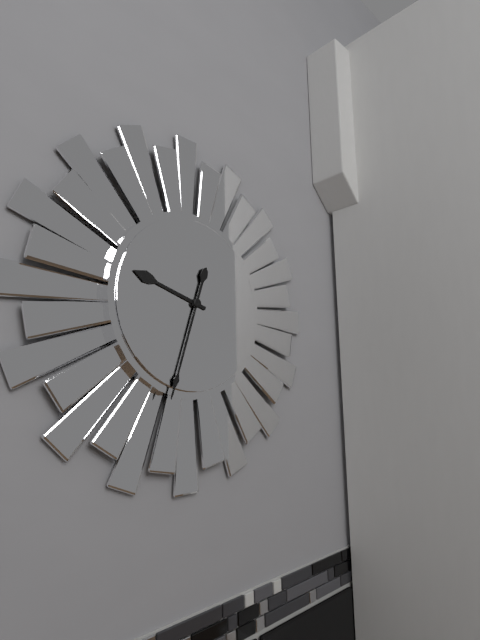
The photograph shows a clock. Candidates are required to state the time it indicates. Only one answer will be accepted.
9:33
